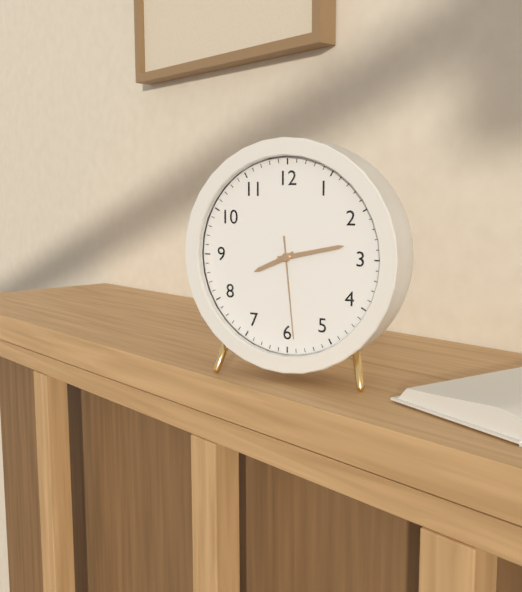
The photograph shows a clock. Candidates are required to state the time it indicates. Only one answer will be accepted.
8:13:29
